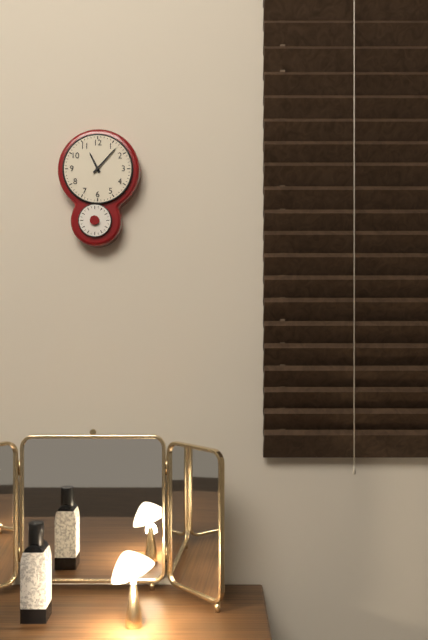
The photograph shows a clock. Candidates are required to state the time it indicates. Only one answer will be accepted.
11:07
